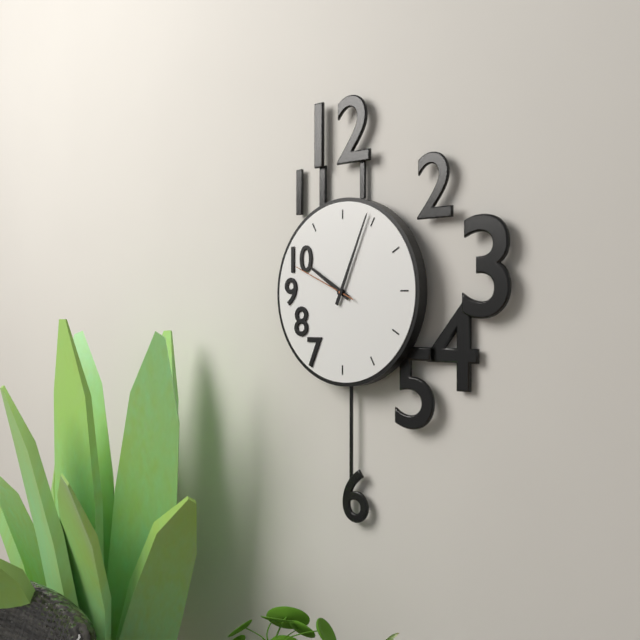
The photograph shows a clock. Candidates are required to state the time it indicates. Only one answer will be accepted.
10:04:49
